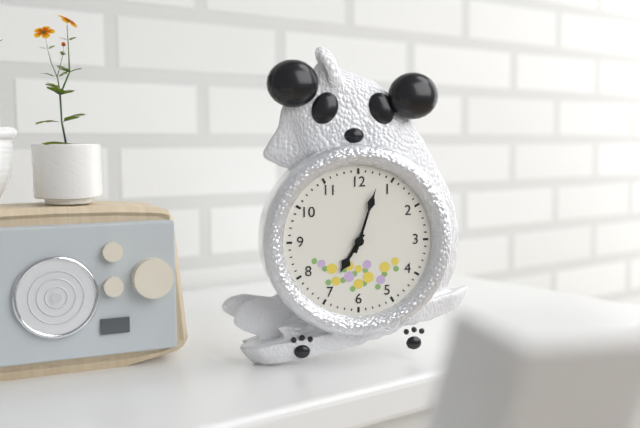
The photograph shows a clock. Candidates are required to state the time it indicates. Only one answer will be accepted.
7:03
